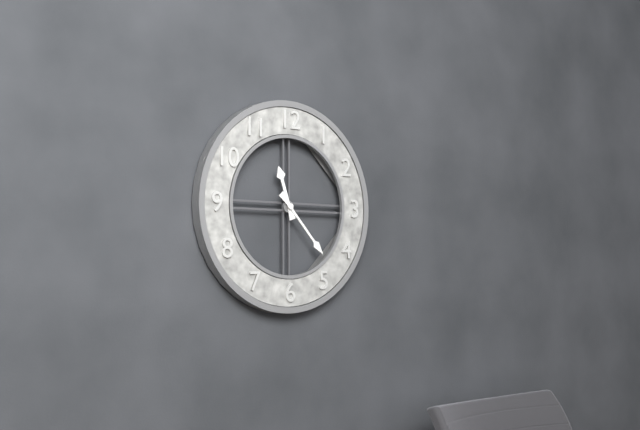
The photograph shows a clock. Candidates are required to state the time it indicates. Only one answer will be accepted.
11:23
